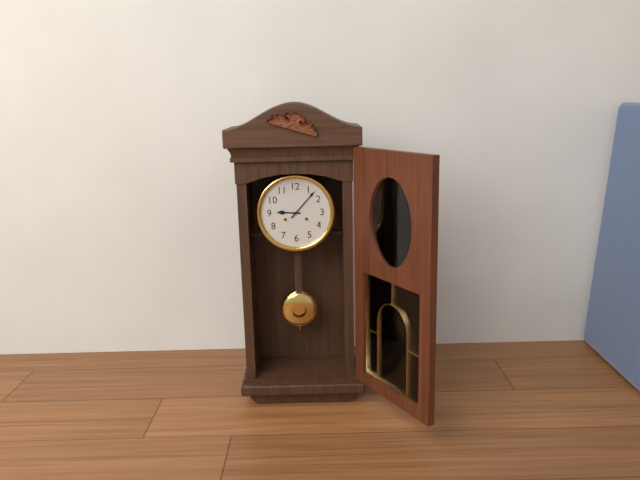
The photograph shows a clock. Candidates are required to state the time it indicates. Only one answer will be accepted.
9:07
